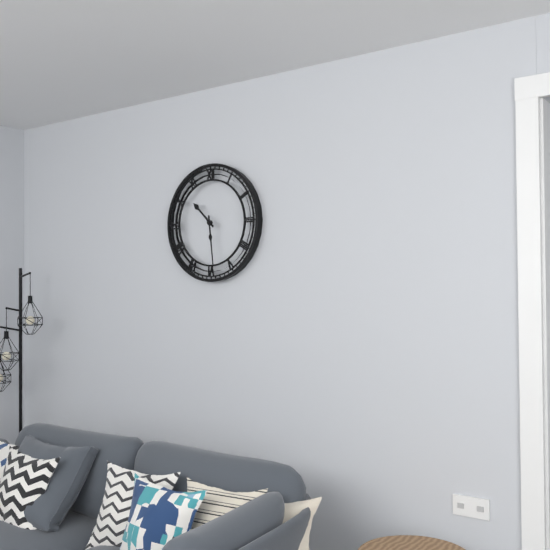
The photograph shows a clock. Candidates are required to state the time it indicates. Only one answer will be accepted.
10:29
